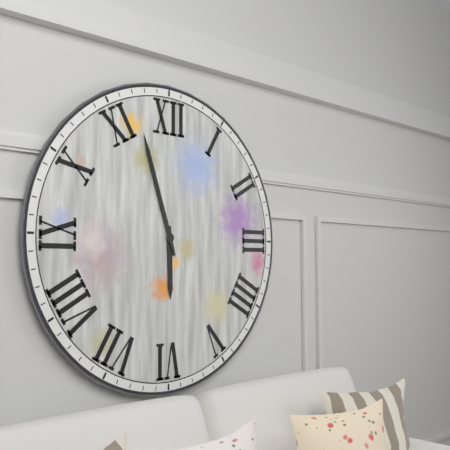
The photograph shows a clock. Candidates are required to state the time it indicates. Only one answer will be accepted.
5:57
